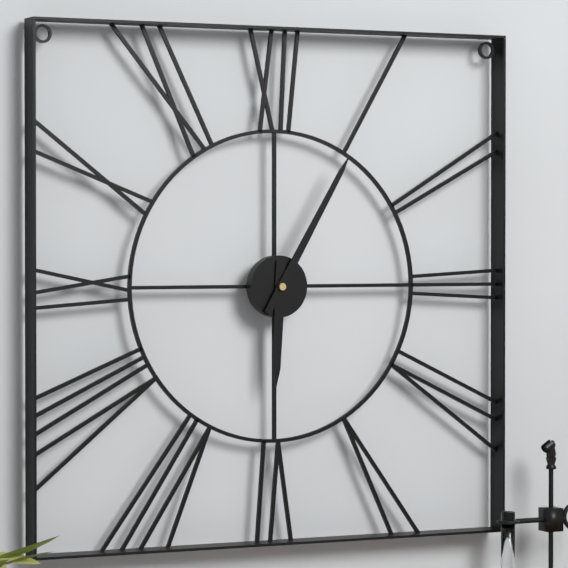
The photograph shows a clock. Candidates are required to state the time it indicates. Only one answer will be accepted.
6:05
